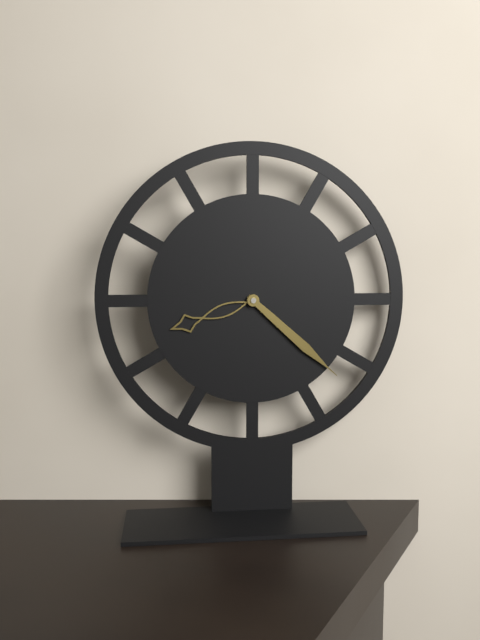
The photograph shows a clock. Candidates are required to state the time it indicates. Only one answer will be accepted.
8:22
